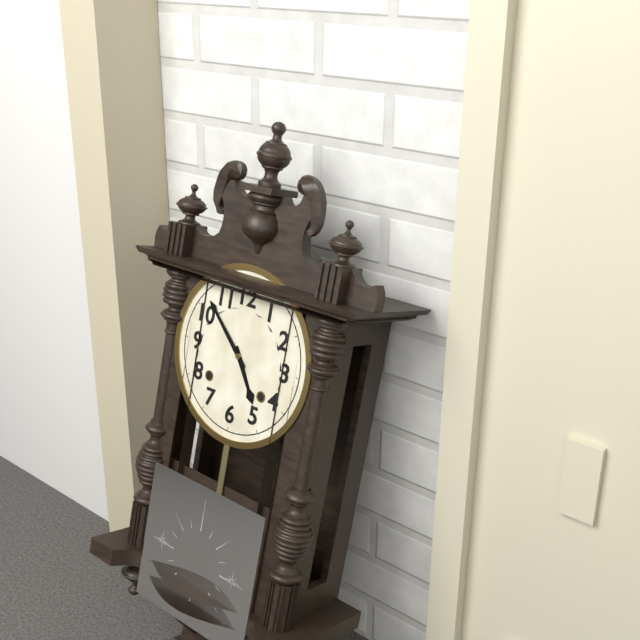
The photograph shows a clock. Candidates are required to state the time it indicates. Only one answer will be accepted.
4:52
